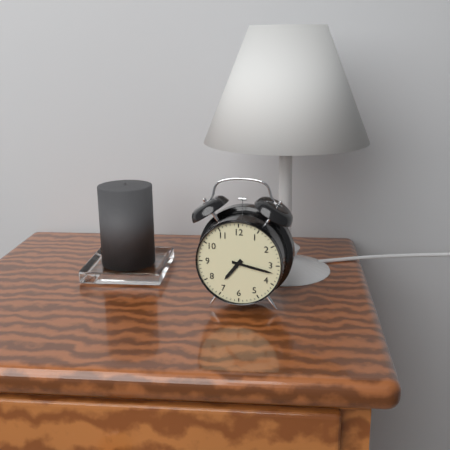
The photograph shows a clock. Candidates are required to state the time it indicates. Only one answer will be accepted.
7:17
